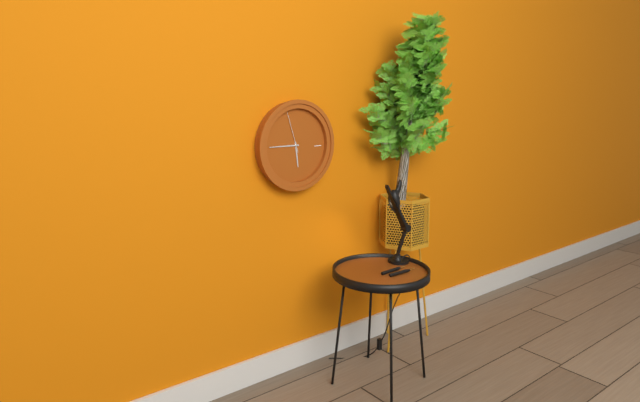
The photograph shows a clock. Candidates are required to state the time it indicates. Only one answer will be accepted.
5:45
